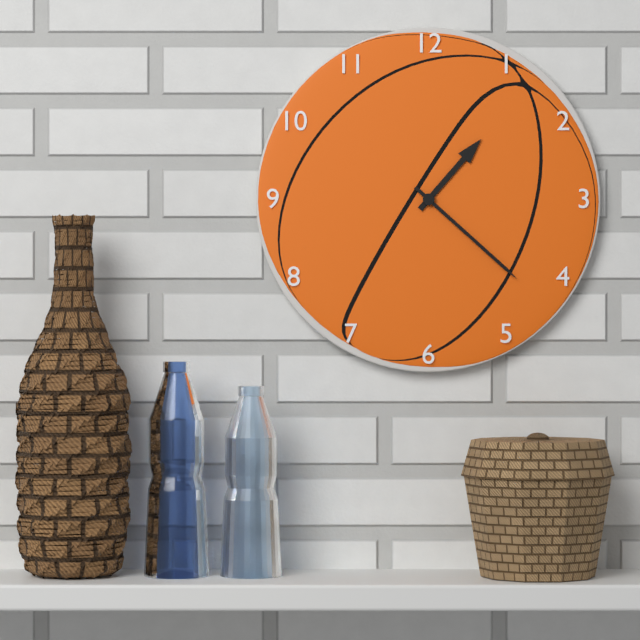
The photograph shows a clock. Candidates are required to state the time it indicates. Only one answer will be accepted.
1:22
